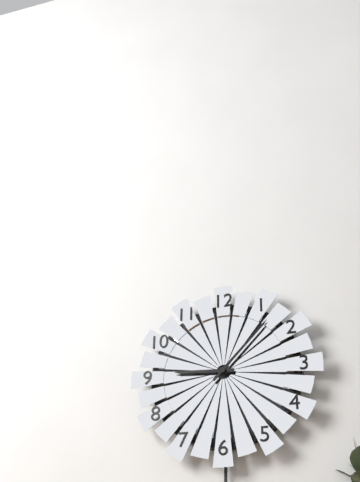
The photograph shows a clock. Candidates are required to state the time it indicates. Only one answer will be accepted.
9:07
